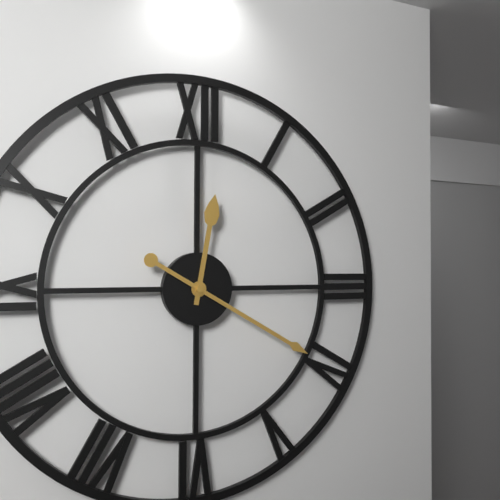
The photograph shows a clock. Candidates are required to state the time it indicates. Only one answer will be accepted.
12:20
